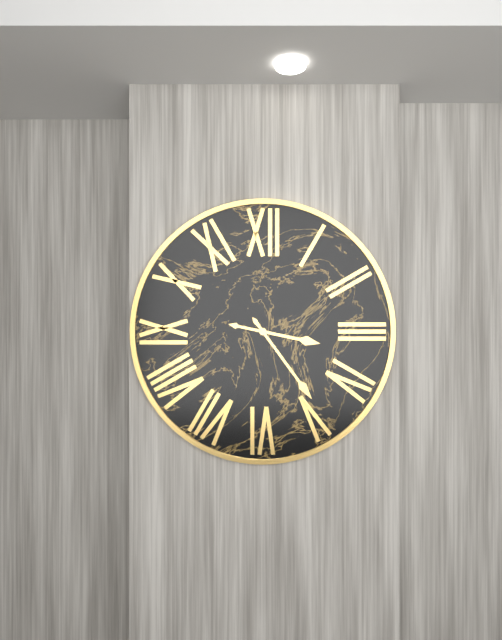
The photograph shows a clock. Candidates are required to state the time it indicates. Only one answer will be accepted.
3:24
